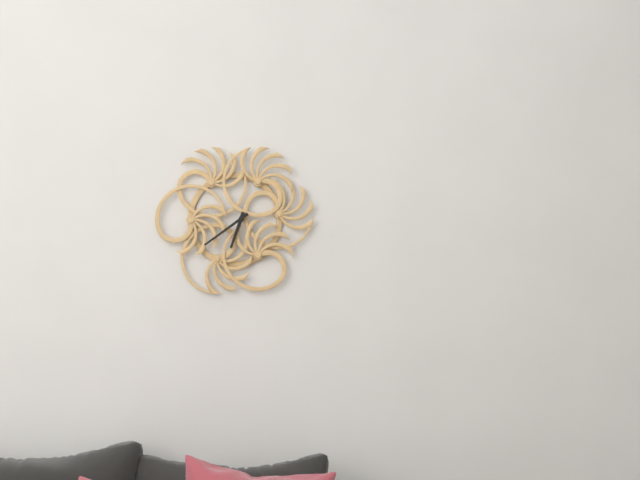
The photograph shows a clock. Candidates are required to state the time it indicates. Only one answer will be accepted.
6:39
